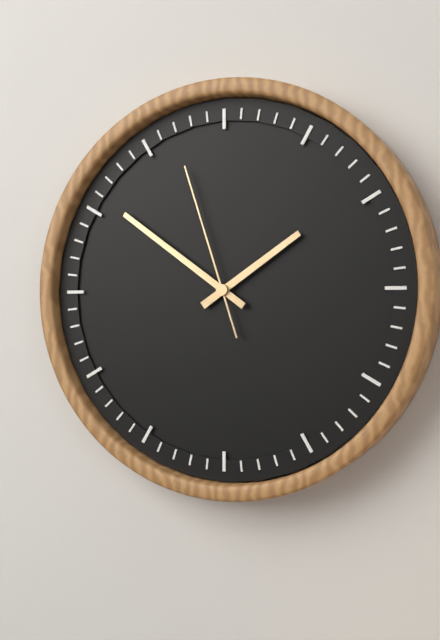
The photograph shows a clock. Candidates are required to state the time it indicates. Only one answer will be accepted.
1:51:57
